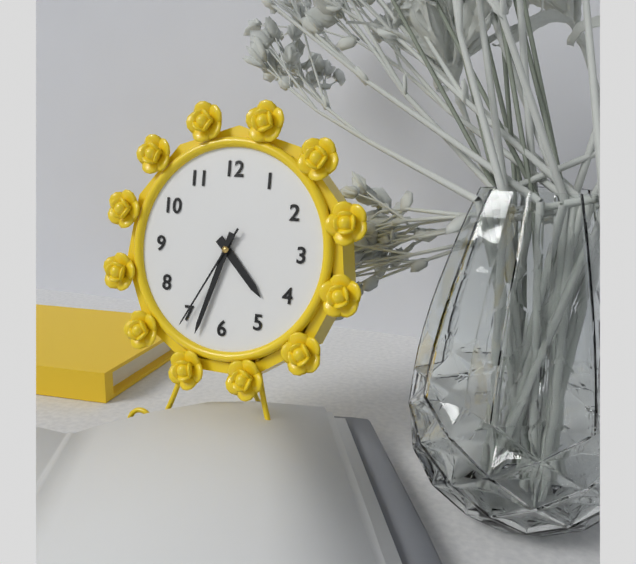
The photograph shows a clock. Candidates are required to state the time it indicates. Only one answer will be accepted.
4:33:35
